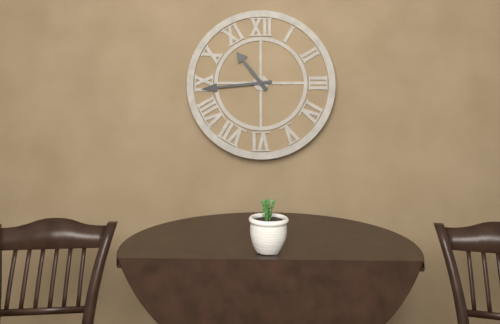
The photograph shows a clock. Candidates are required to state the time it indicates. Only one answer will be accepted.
10:44
